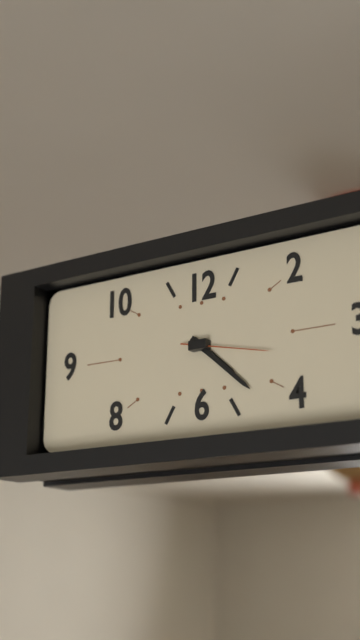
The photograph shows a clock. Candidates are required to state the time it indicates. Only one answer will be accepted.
4:22:17
